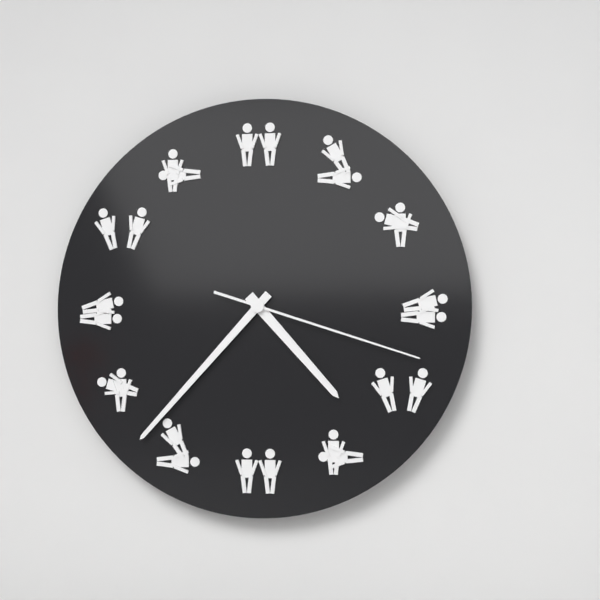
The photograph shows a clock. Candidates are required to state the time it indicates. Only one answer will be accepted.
4:37:18
